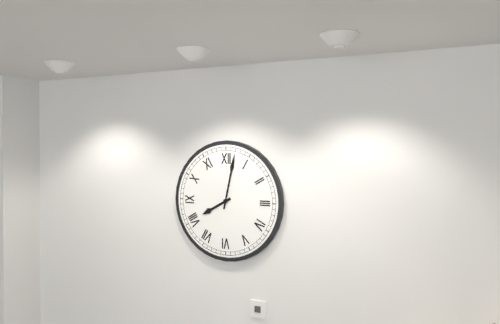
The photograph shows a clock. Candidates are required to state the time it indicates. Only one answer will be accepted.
8:02
